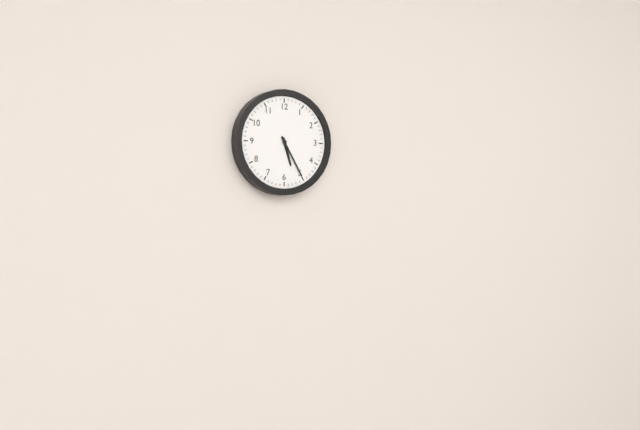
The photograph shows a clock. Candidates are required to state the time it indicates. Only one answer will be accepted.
5:25
